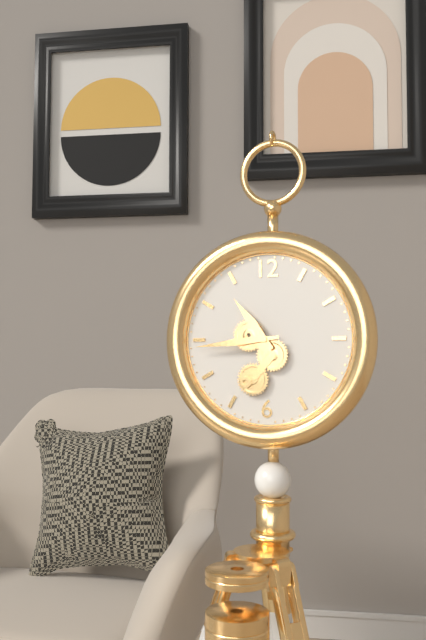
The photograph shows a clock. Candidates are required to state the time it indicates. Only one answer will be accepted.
10:44
